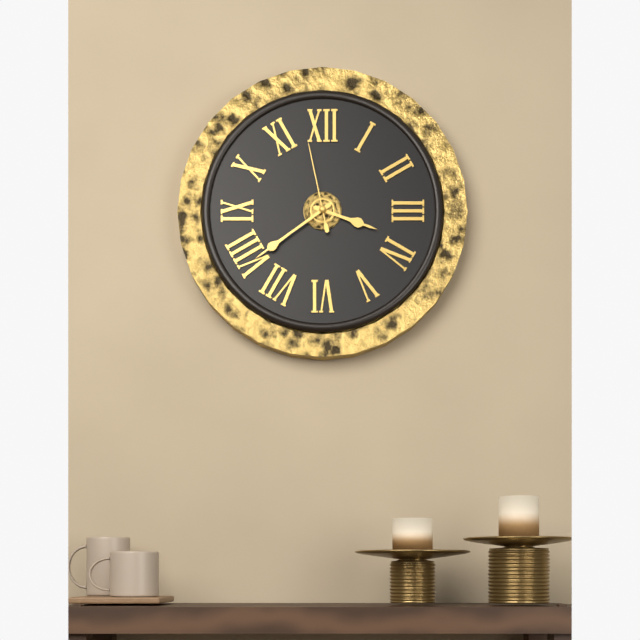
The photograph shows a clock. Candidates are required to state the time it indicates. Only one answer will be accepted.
3:39:58
